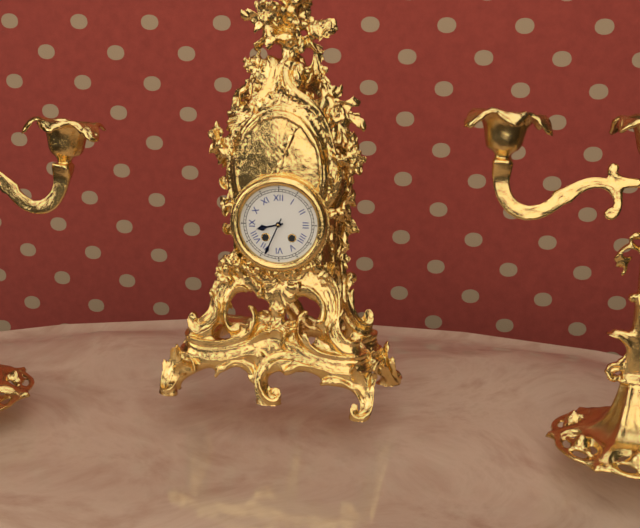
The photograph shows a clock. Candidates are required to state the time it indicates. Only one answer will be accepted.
8:34
